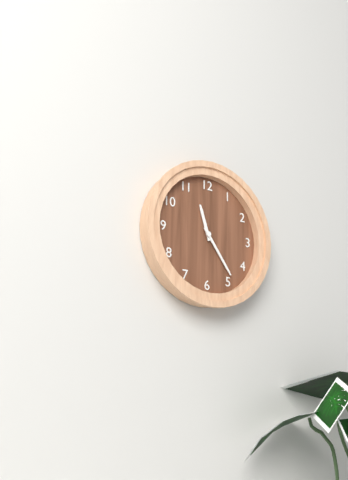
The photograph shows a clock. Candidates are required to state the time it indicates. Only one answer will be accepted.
11:24
